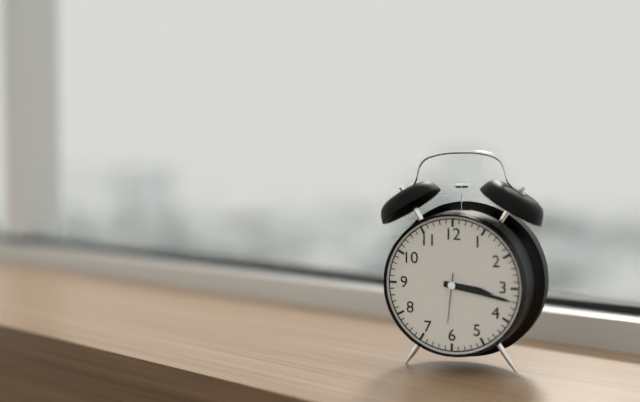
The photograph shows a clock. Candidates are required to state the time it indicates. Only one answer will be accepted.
3:17:31
